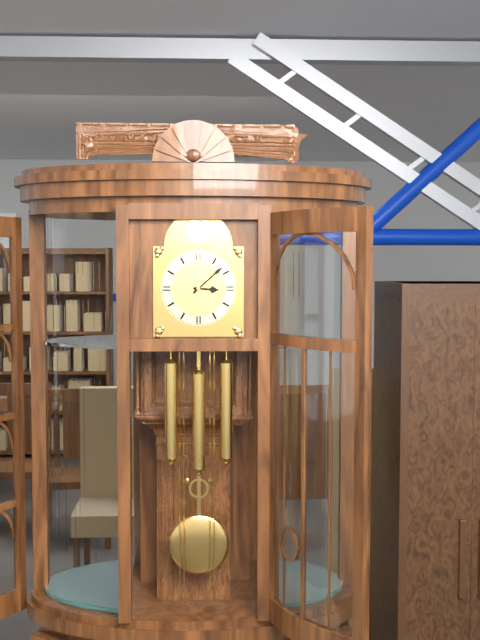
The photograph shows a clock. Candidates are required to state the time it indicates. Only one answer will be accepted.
3:08
